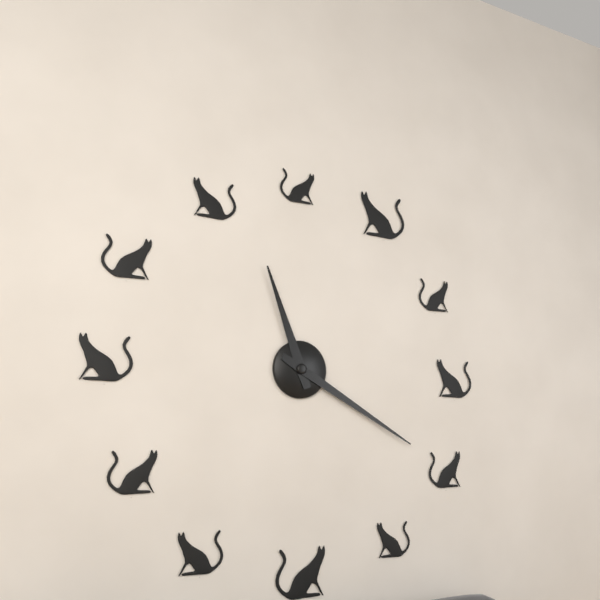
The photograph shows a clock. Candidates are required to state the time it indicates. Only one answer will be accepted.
11:20
